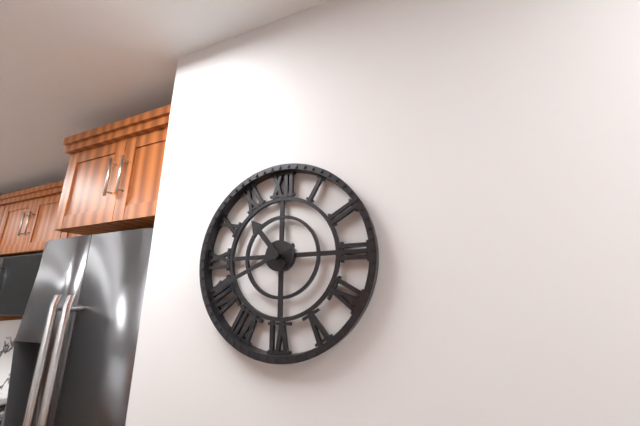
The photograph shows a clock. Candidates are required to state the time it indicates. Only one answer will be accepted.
10:41
